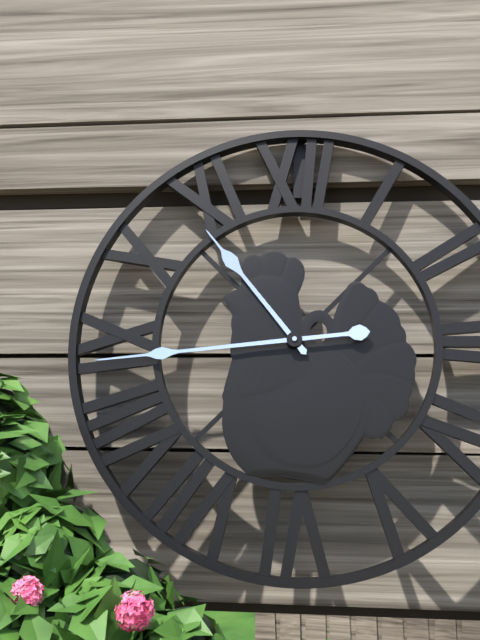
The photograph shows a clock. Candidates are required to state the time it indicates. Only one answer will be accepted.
10:44
